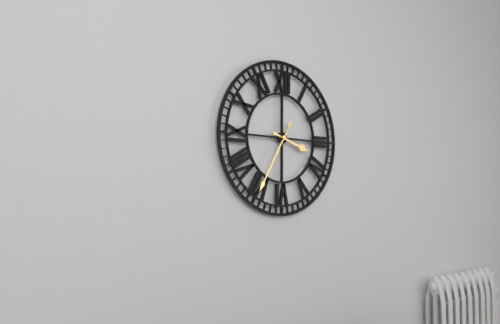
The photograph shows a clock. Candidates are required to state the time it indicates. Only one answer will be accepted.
3:35
